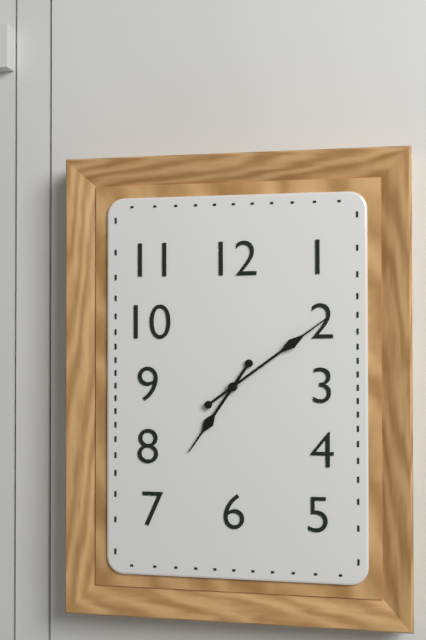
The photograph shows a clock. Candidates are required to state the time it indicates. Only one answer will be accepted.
7:09
